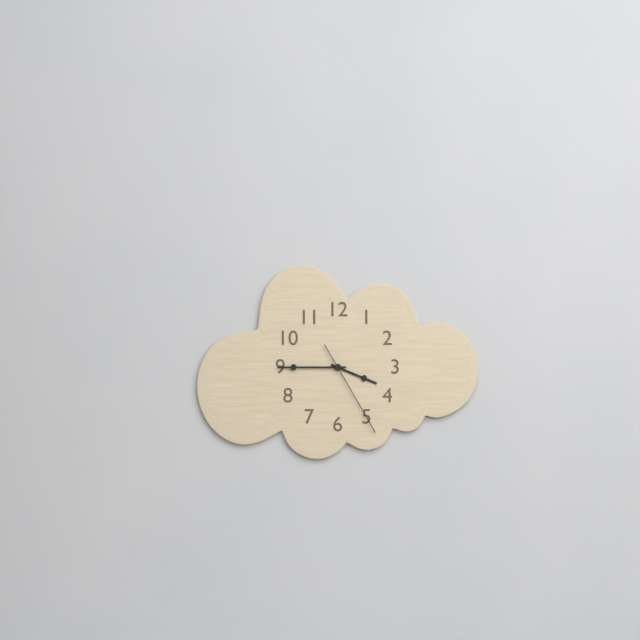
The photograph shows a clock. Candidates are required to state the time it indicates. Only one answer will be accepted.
3:45:25
